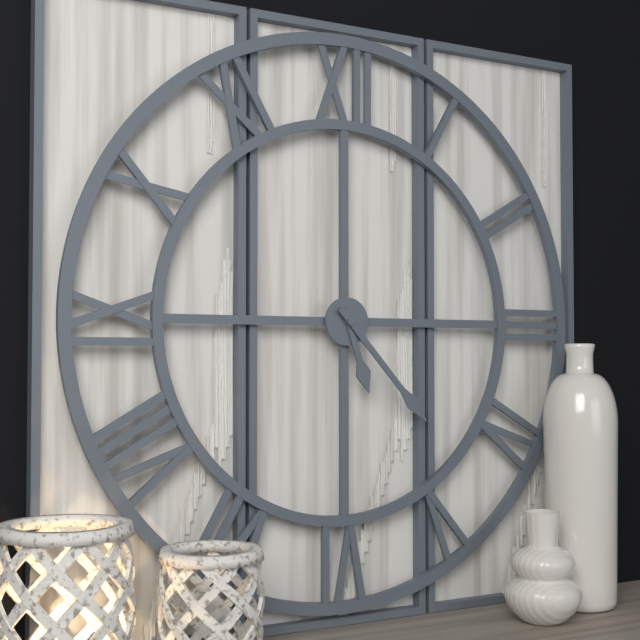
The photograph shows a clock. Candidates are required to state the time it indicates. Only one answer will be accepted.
5:23
